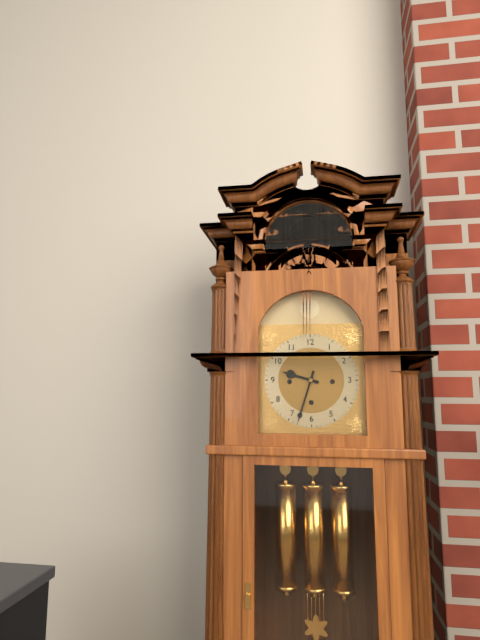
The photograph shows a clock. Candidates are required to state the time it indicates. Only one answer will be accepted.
9:33
